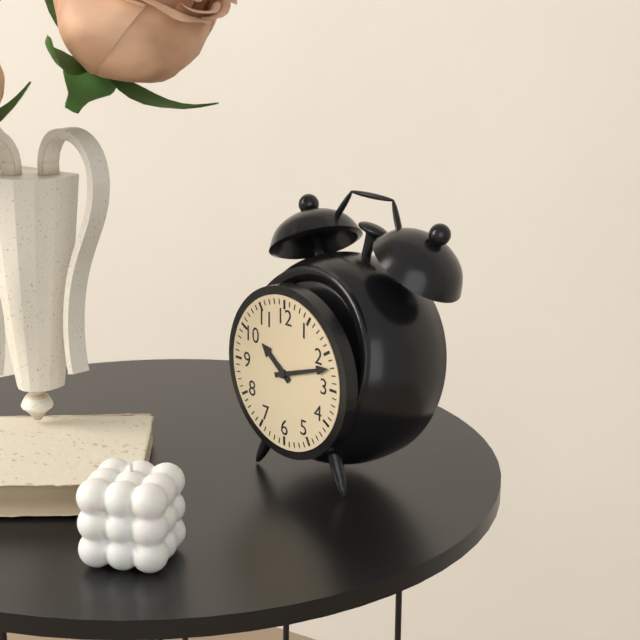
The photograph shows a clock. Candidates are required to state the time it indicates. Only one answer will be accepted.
10:12
